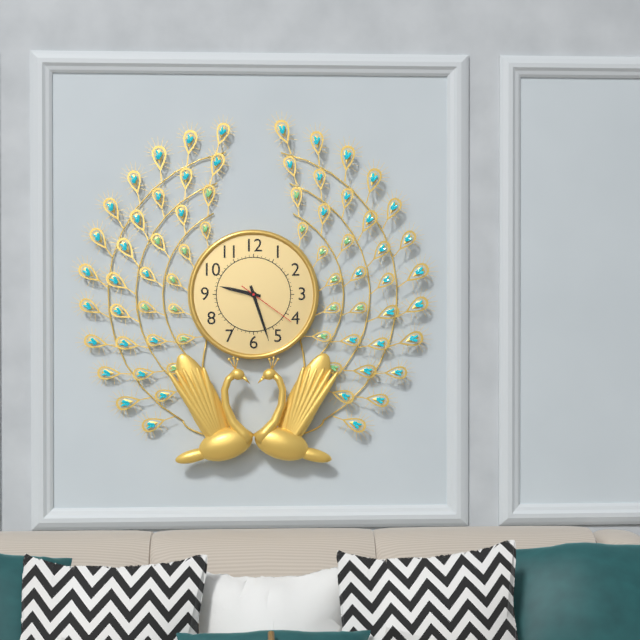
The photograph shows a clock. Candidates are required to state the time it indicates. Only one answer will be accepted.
9:27:21
